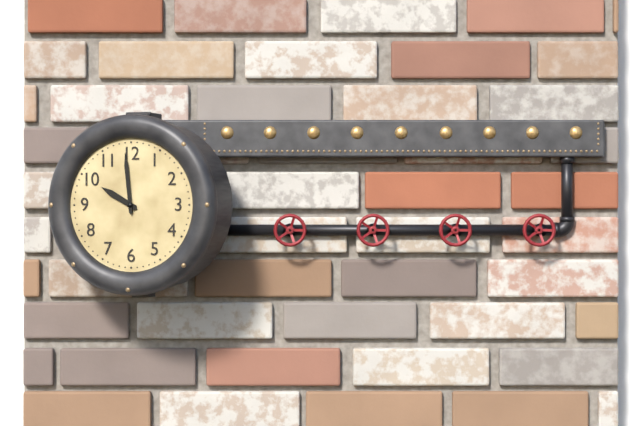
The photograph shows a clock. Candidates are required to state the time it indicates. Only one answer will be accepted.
9:59
